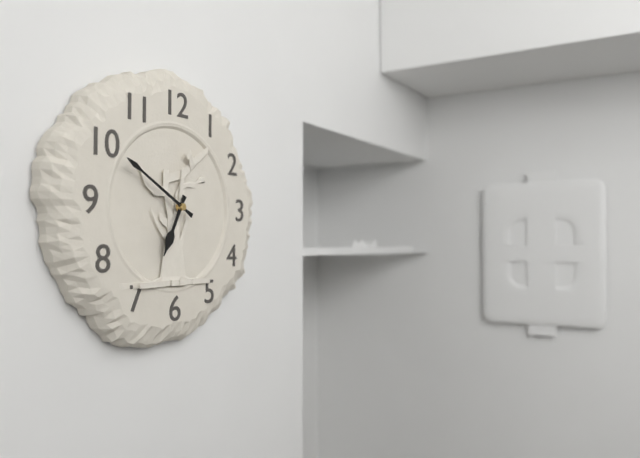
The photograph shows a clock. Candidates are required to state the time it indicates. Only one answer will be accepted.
6:50
